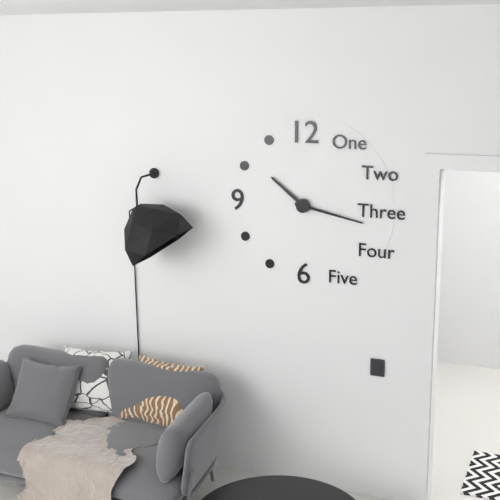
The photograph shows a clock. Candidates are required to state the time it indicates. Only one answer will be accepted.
10:17
